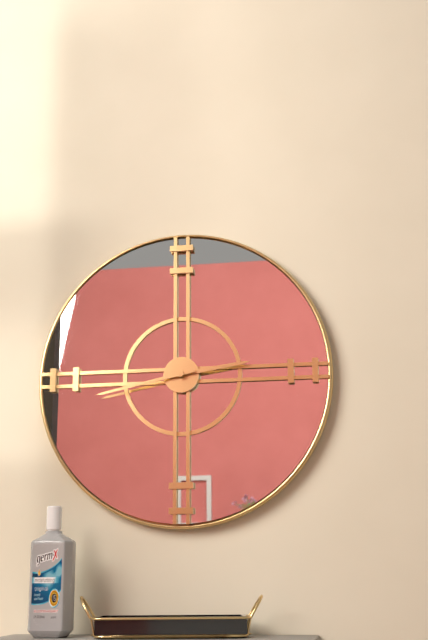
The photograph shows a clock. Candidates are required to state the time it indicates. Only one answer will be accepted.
2:43
